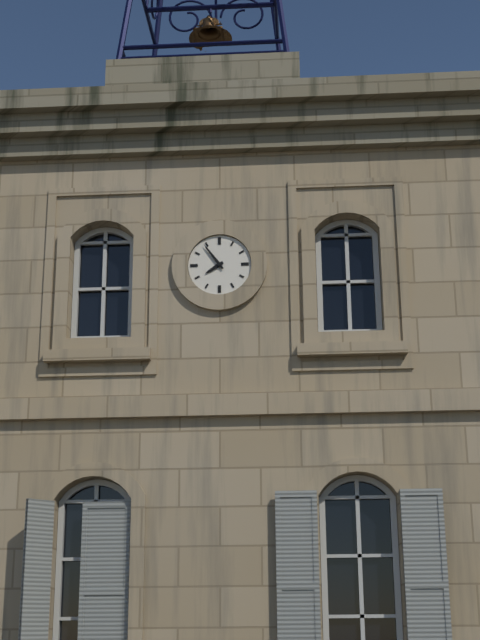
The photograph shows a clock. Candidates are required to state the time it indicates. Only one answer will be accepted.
7:54
